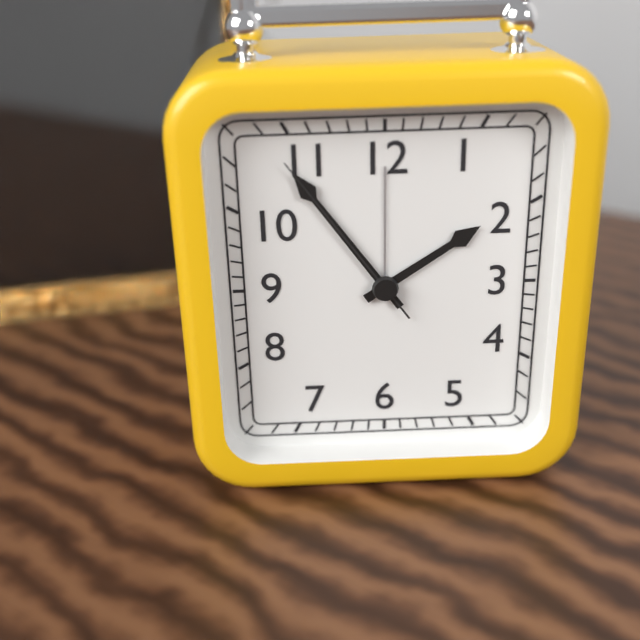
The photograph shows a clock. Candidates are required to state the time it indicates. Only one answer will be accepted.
1:54:54
